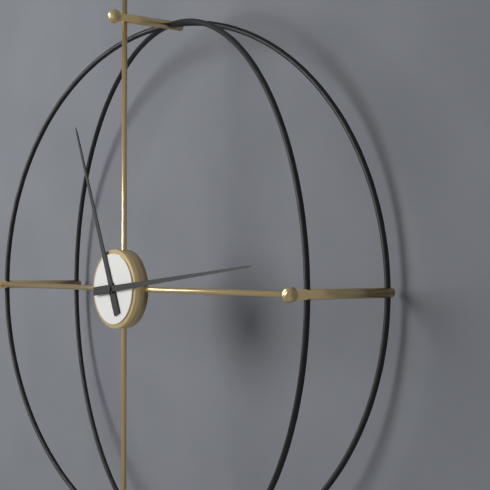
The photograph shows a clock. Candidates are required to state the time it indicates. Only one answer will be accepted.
11:14
